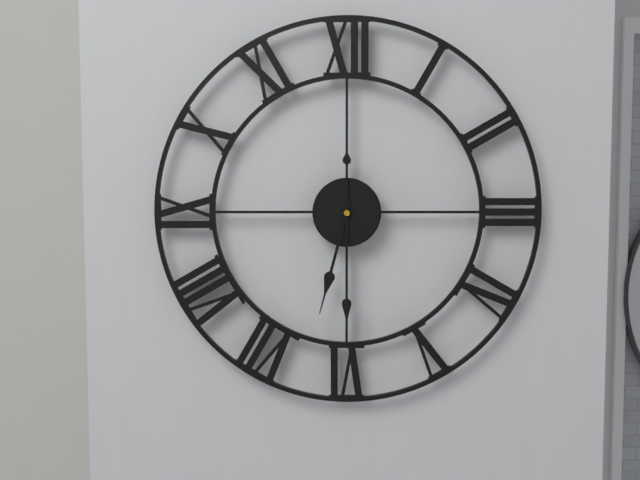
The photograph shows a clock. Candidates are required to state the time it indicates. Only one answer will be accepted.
6:30
